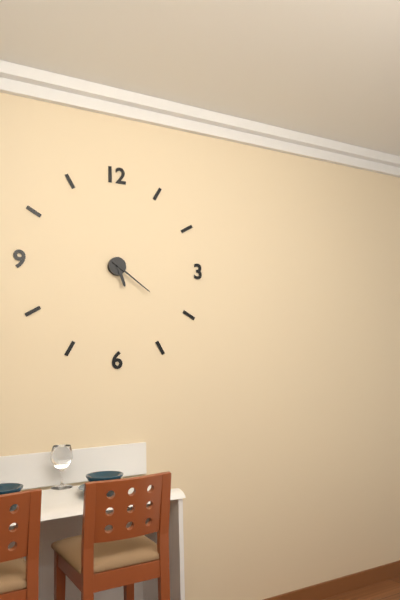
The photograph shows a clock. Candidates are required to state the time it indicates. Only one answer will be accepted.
5:21
